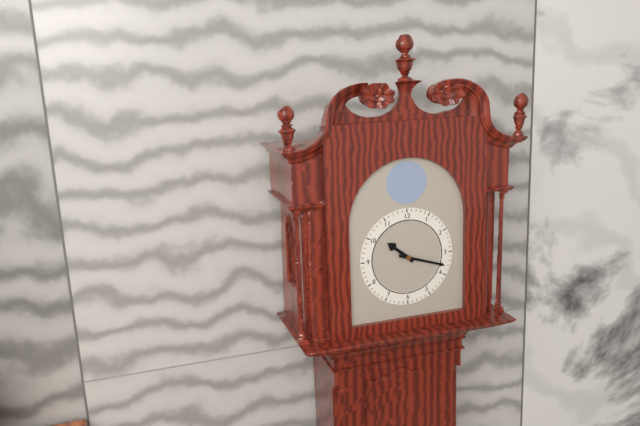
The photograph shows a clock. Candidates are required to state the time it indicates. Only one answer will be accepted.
10:18
